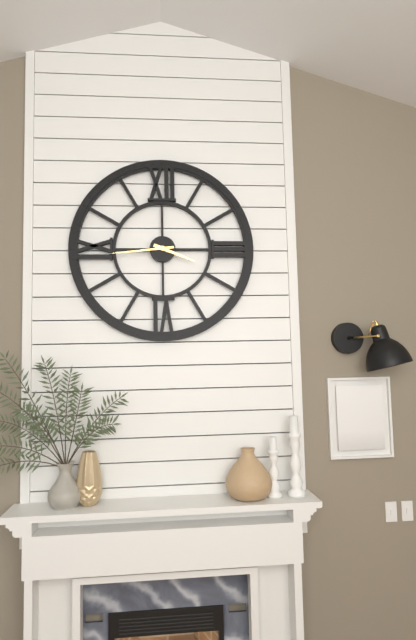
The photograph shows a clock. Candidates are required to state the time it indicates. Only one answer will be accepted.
3:44
